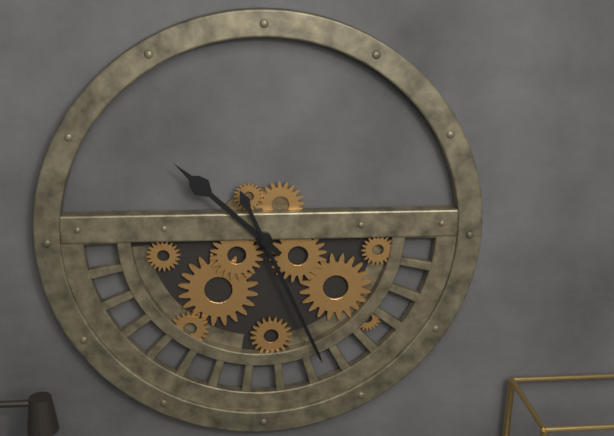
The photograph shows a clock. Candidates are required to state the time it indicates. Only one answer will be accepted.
10:26
